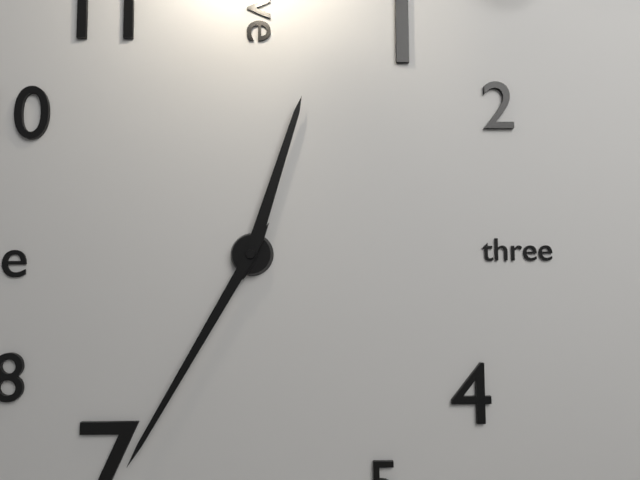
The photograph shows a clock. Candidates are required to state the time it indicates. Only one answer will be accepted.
12:35
